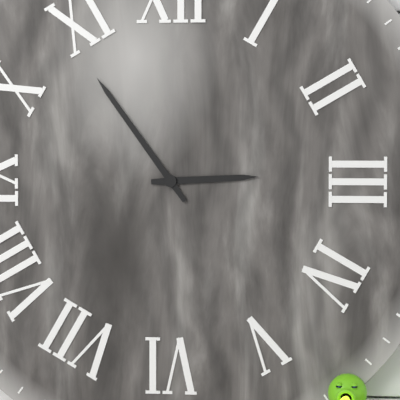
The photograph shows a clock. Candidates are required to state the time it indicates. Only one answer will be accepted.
2:54
